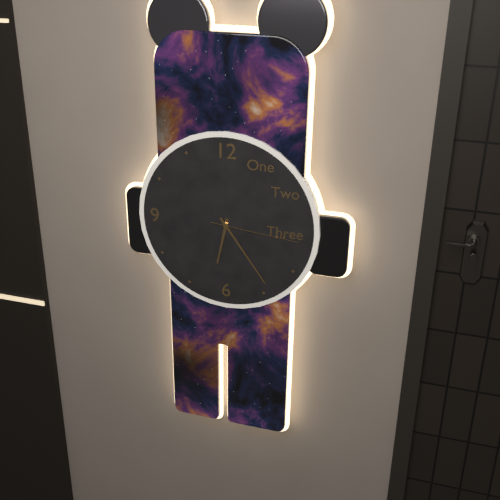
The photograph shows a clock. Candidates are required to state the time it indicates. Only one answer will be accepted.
6:24:16
